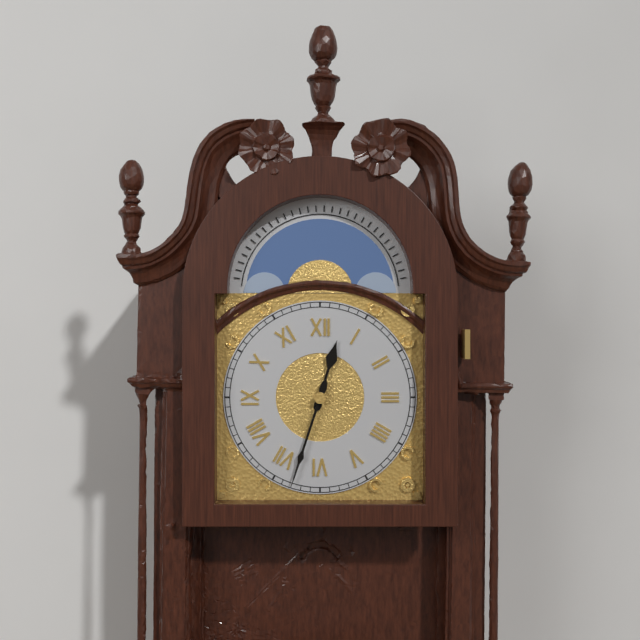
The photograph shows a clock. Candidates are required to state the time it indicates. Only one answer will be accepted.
12:33
